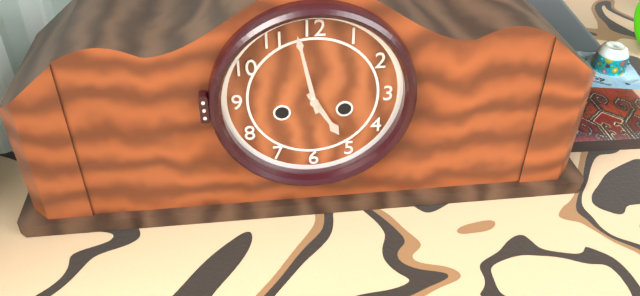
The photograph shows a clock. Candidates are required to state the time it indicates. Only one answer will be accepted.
4:58
